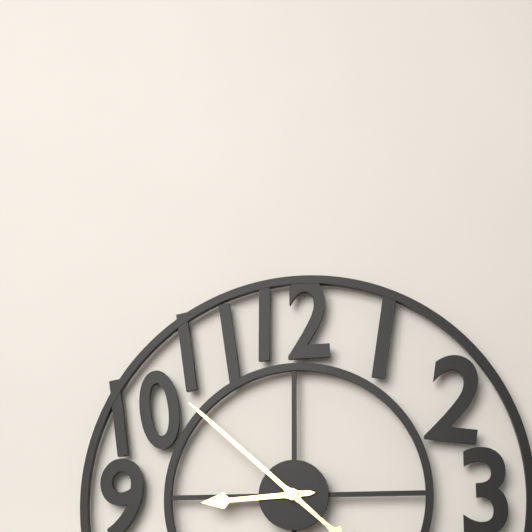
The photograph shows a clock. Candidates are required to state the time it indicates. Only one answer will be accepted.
8:52
